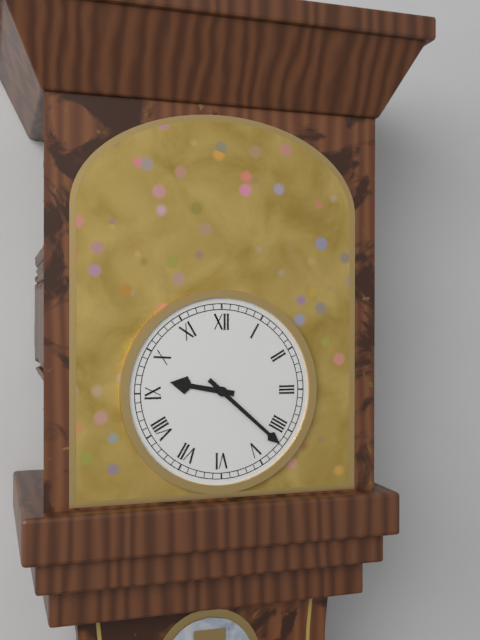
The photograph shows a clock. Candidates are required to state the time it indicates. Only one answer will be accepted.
9:22
